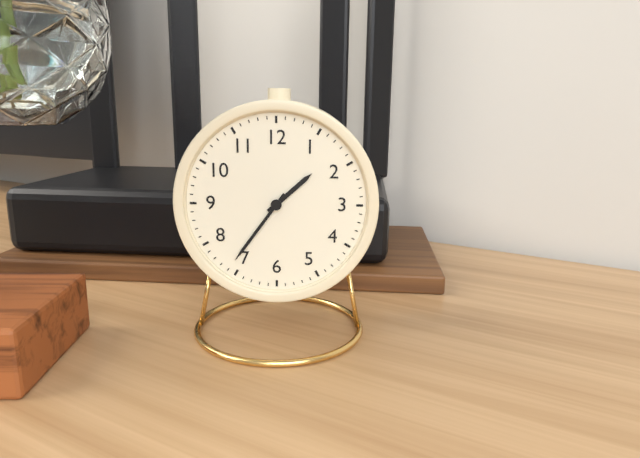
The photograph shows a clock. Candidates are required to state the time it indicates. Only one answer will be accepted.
1:36
